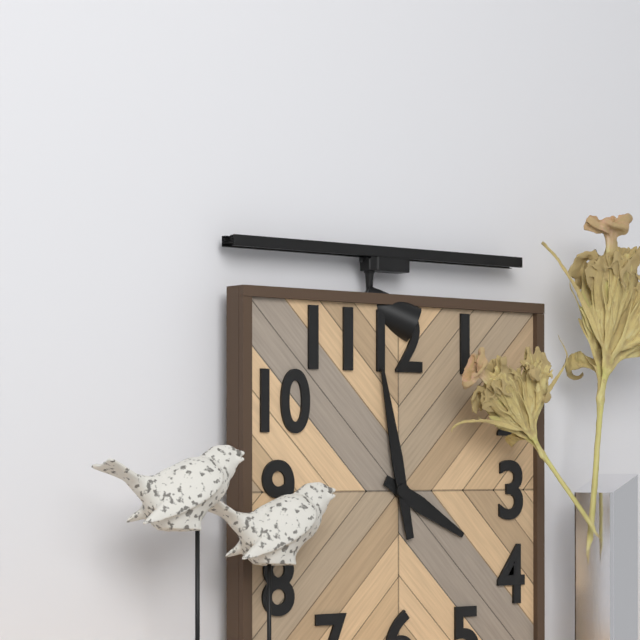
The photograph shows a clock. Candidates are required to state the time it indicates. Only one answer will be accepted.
3:58
